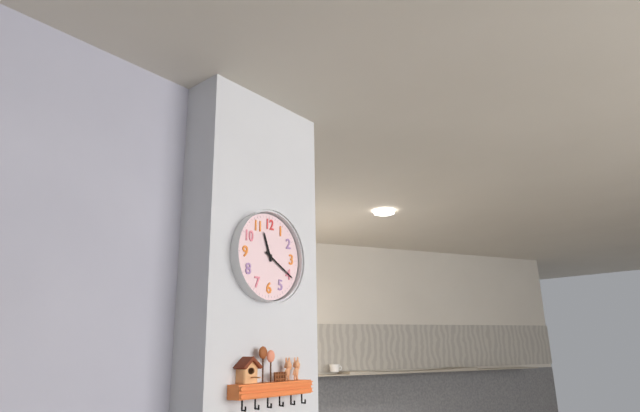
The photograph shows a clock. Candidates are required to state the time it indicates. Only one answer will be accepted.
11:20
